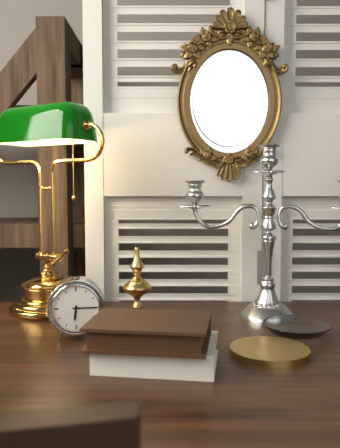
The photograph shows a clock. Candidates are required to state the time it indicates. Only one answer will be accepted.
6:15
